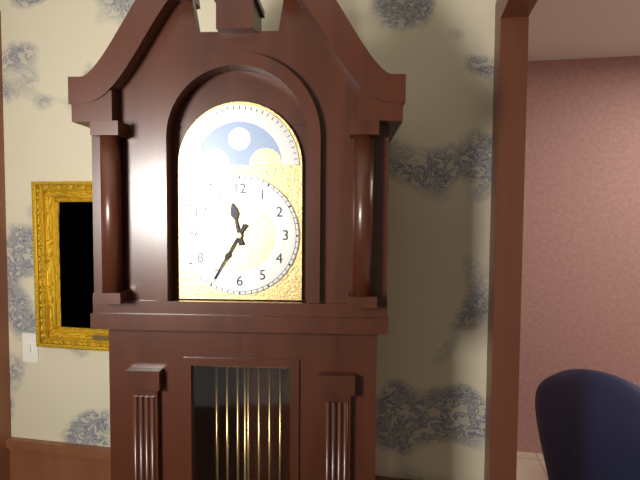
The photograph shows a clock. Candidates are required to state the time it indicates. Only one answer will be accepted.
11:35
